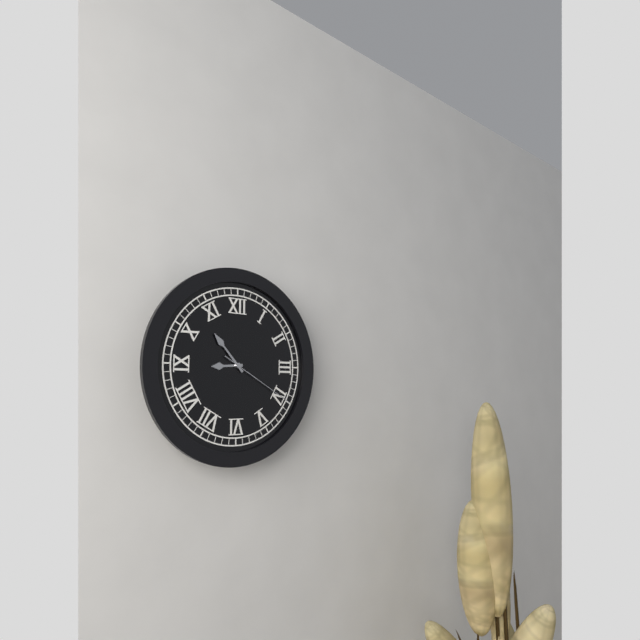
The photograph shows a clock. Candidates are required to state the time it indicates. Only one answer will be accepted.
8:53:20
